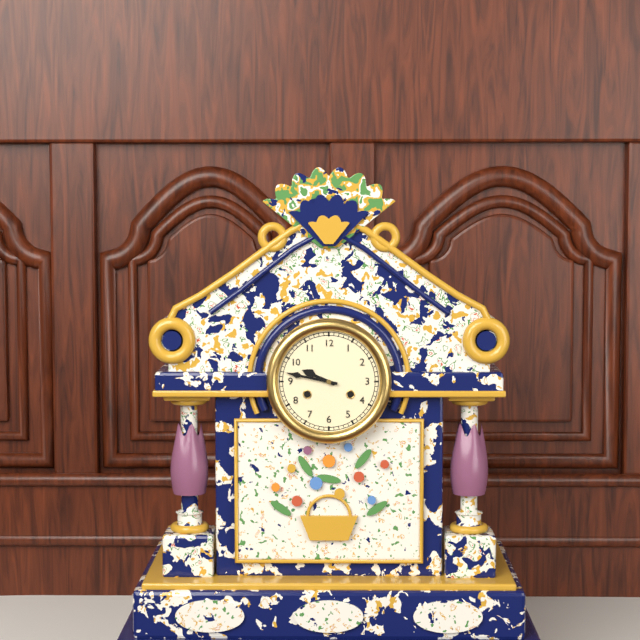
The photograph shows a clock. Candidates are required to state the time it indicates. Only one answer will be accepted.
9:47
